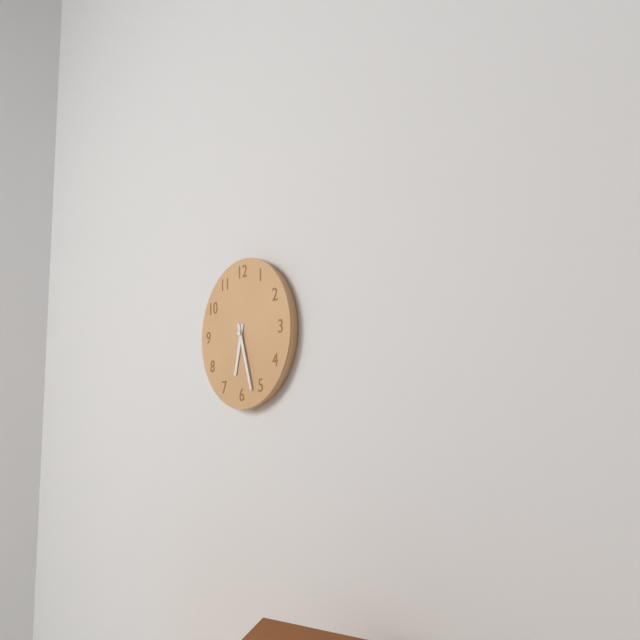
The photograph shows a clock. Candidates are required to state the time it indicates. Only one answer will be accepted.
6:27
